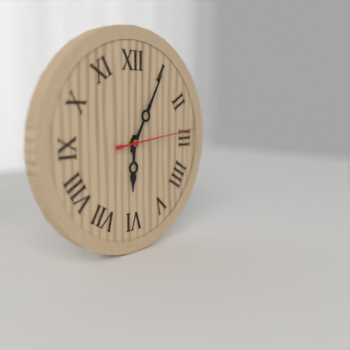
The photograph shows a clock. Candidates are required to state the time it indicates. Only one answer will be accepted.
6:05:14
